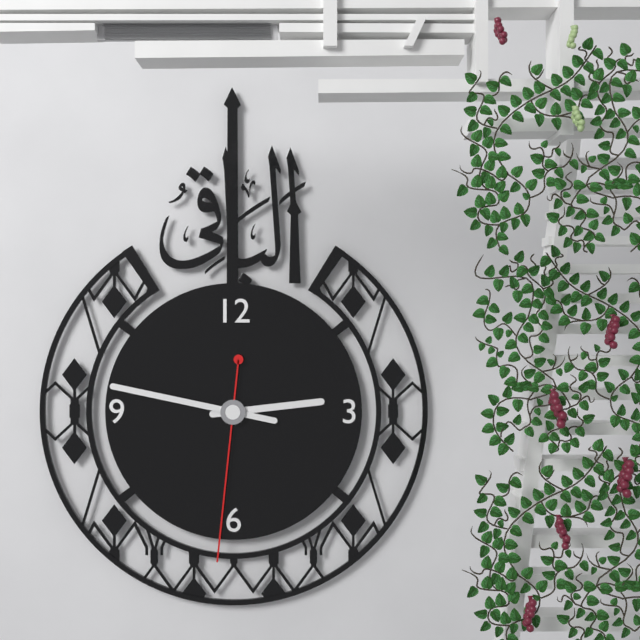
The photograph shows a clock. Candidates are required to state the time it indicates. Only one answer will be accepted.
2:47:31
